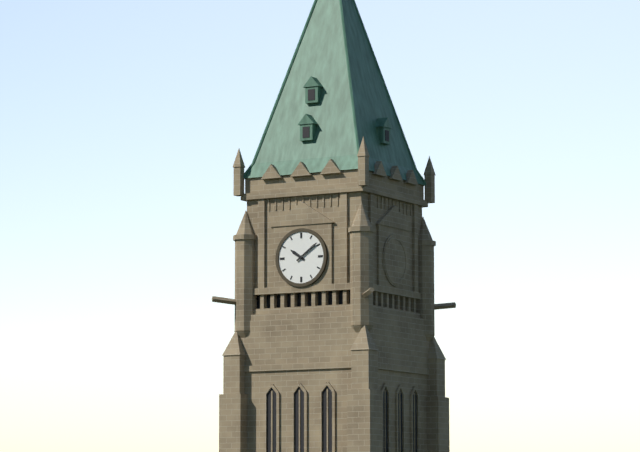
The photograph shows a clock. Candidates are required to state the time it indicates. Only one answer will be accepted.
10:09
